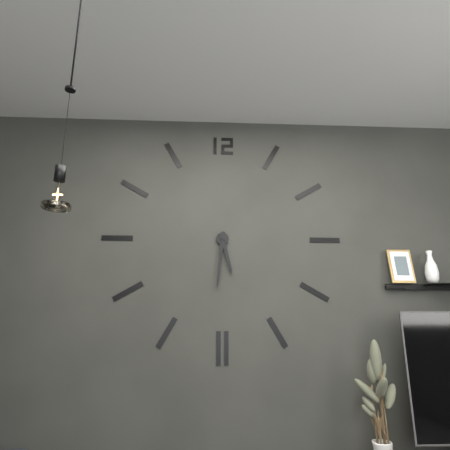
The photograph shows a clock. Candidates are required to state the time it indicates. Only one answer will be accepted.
5:31
